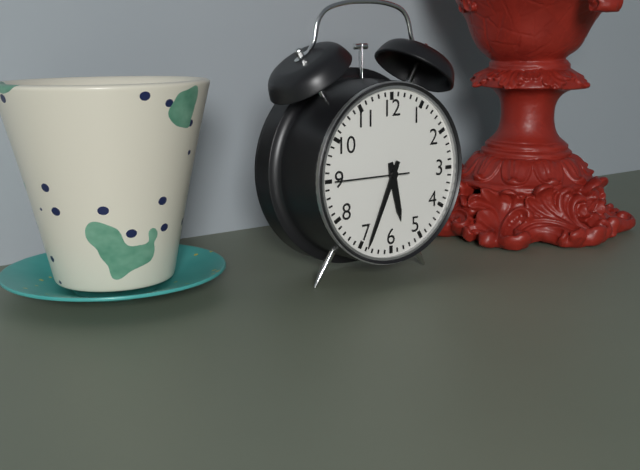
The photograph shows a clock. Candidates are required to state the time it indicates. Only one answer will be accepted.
5:34:45
